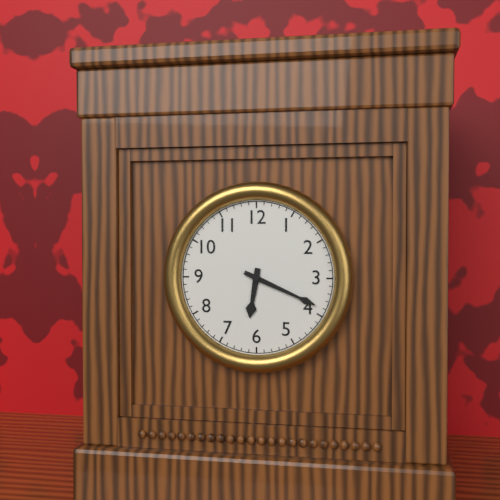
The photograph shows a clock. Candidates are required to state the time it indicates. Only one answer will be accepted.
6:19
